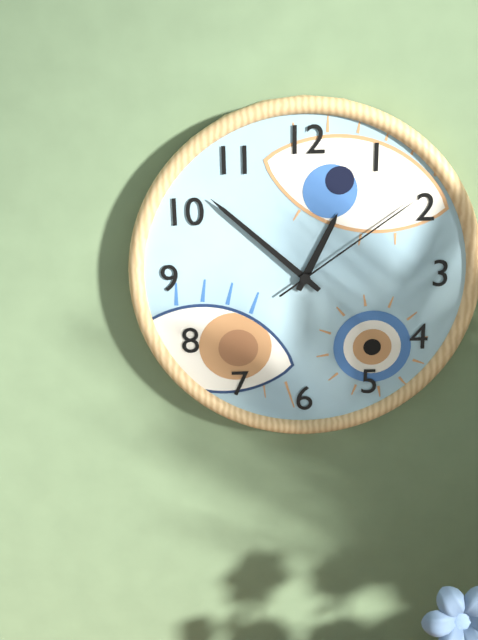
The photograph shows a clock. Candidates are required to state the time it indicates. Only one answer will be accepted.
12:52:09
